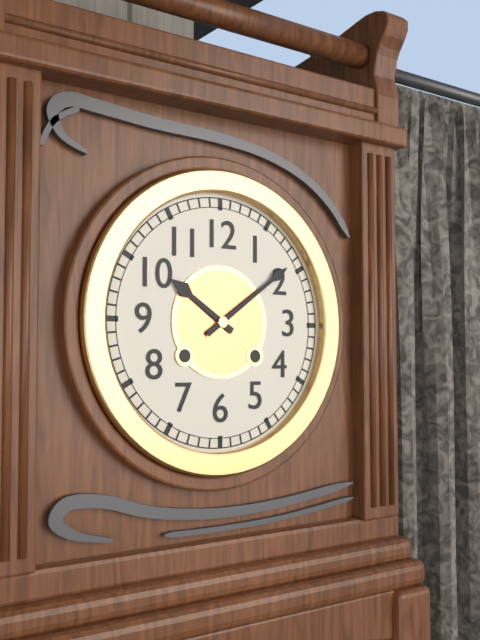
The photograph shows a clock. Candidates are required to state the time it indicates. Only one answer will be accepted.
10:09
